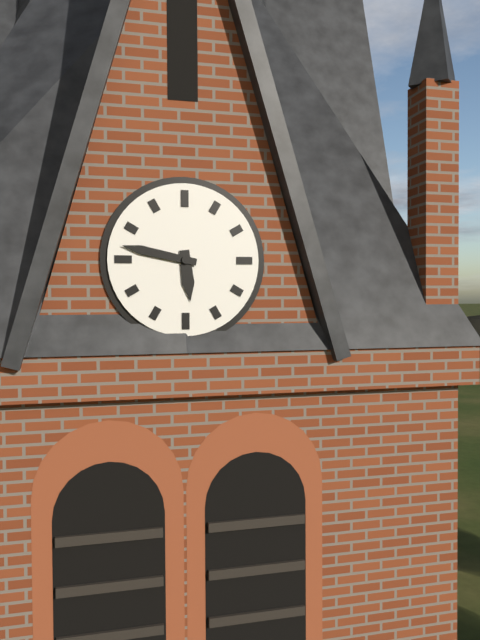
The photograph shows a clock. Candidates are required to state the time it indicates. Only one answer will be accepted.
5:47
